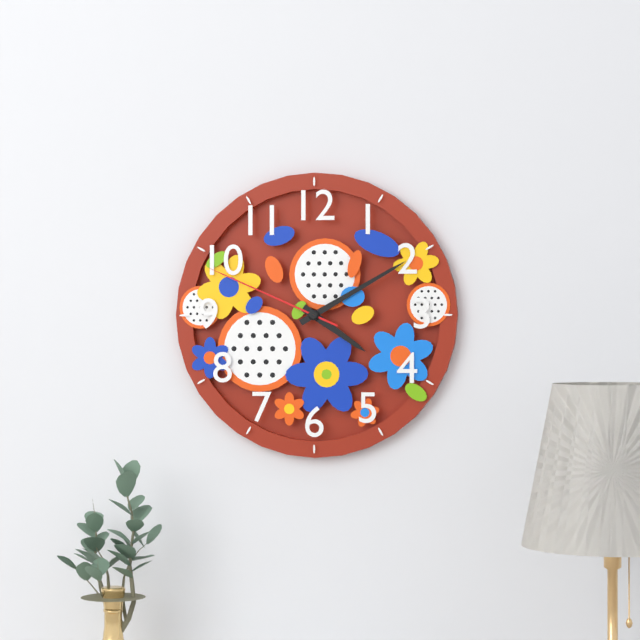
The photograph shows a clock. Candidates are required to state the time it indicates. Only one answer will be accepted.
4:10:49
